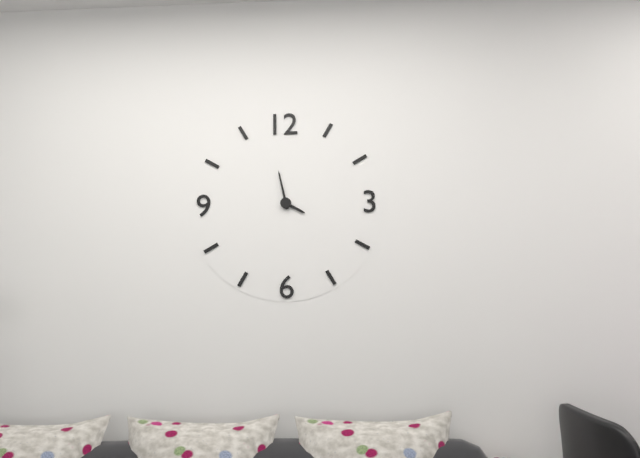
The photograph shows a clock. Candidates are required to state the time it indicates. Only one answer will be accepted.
3:58
